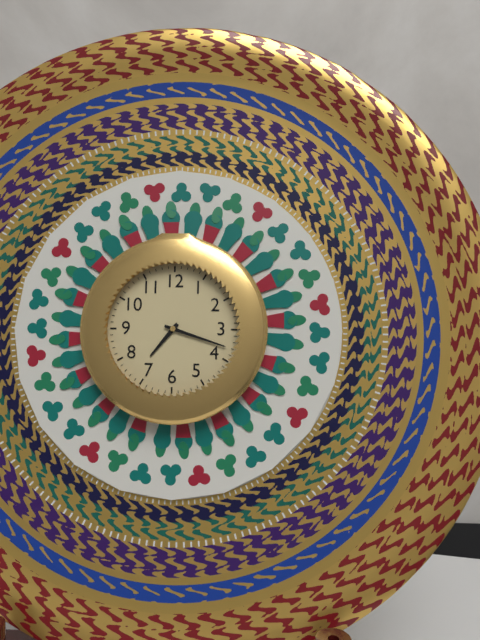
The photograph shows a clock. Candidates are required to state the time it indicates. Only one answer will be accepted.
7:18
